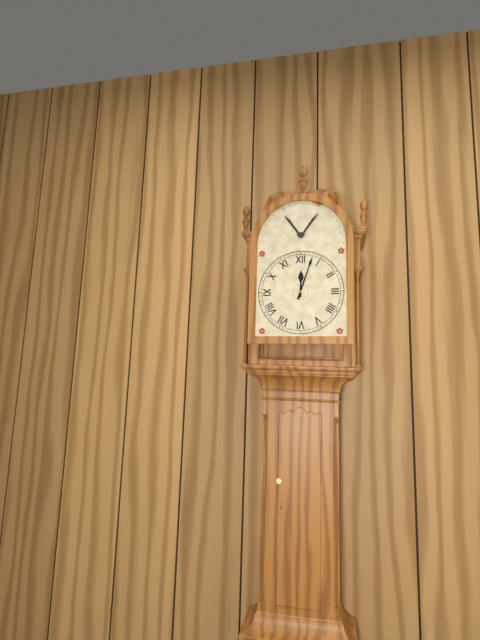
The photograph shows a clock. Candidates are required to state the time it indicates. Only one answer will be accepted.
12:03
